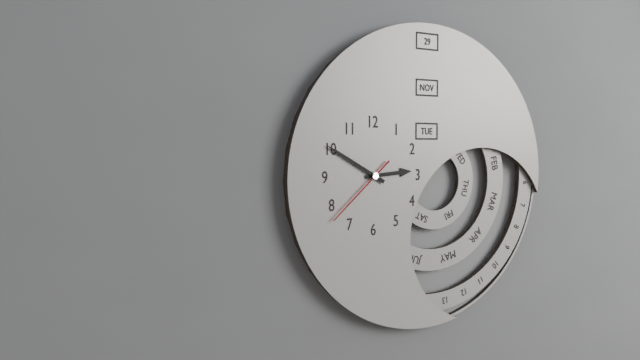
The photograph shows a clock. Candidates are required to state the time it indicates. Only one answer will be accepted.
2:50:38
